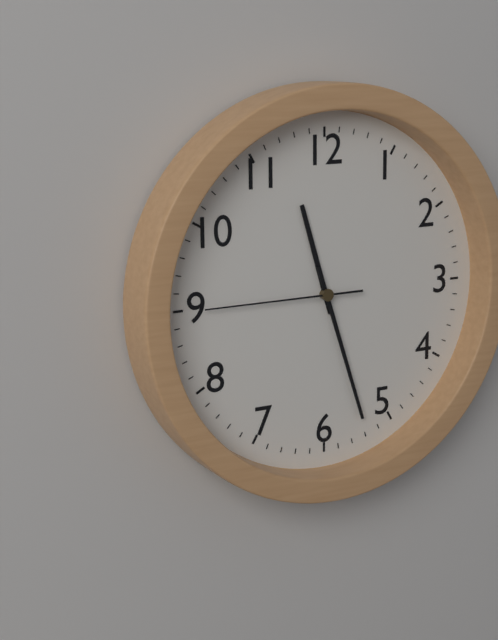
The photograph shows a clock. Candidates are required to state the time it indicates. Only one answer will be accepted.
11:27:45
